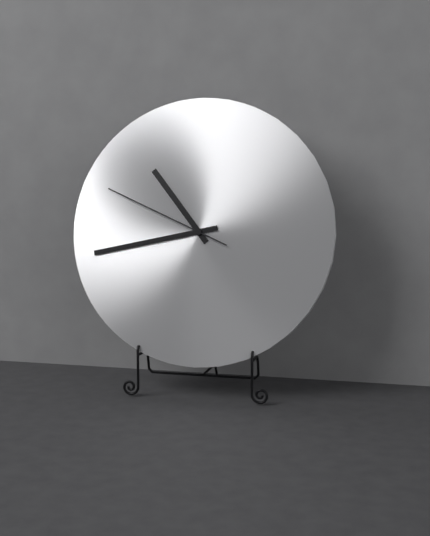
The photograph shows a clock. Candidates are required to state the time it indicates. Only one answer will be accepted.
10:43:49
